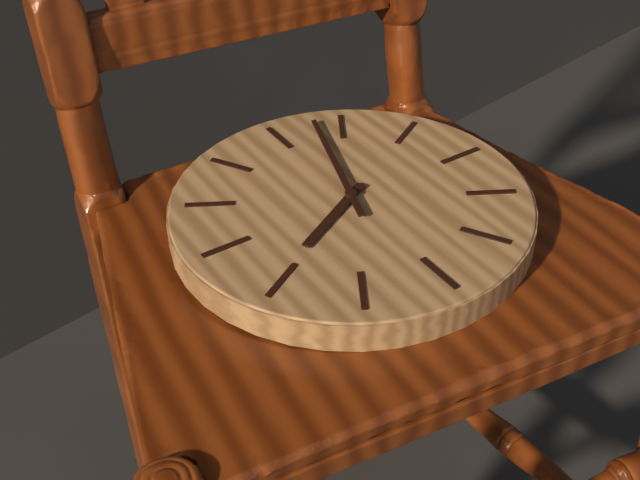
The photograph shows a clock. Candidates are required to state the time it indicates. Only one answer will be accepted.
8:03
